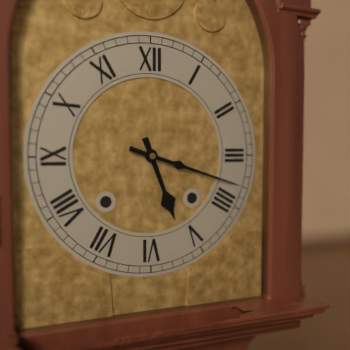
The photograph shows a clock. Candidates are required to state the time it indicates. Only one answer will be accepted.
5:18
